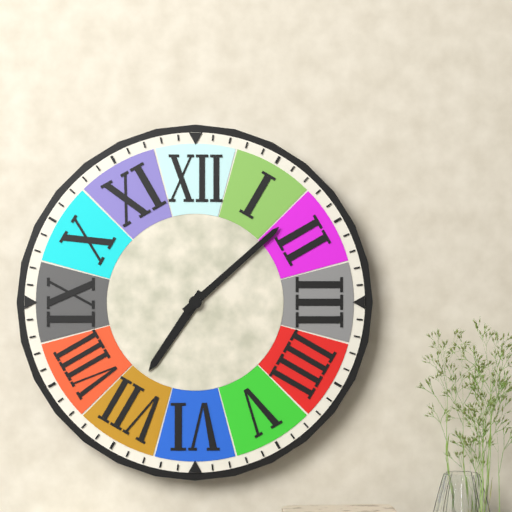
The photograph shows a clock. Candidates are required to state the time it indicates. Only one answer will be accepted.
7:08
